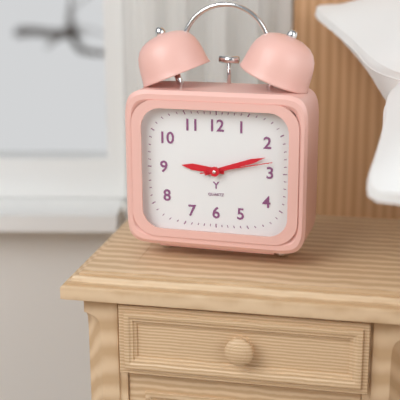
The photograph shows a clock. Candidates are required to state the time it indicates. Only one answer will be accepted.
9:12:13
